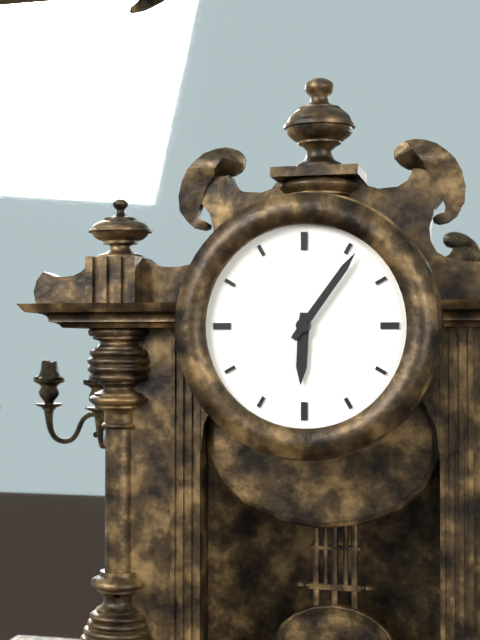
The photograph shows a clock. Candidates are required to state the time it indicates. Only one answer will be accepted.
6:06
